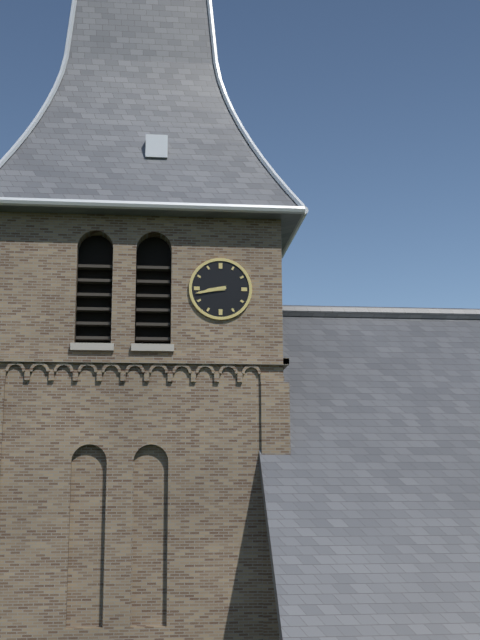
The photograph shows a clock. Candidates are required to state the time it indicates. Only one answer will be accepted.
8:43
